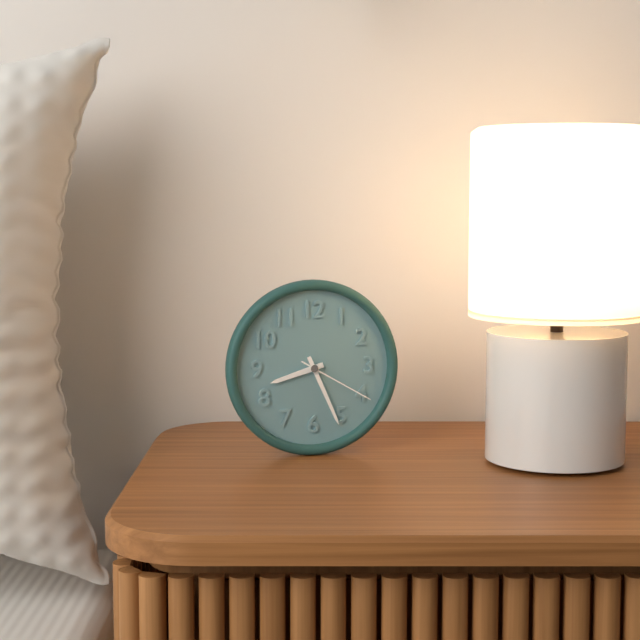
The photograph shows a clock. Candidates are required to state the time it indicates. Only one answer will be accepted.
8:26:20
